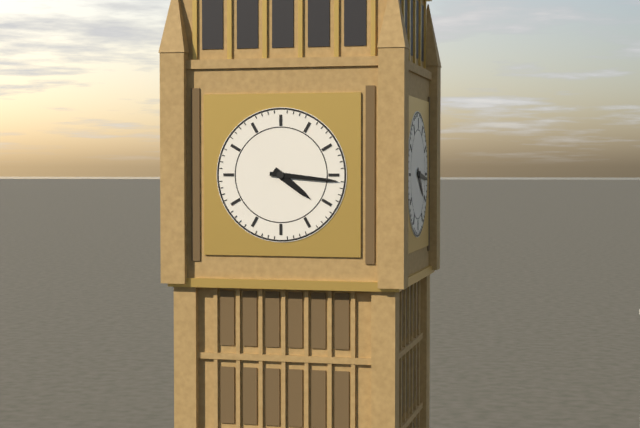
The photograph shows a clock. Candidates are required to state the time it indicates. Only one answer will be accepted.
4:16
